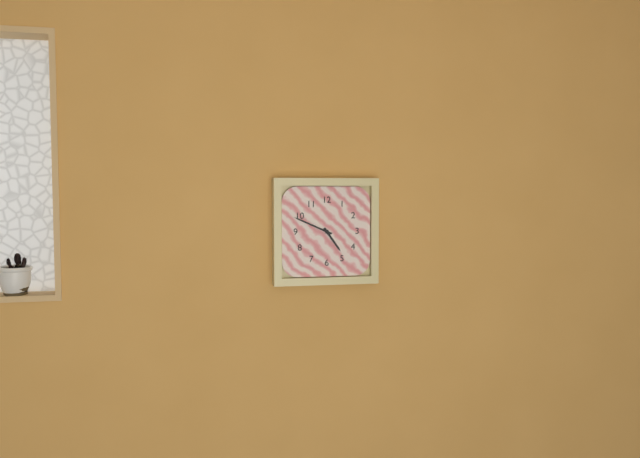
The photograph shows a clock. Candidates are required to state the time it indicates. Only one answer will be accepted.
4:49
